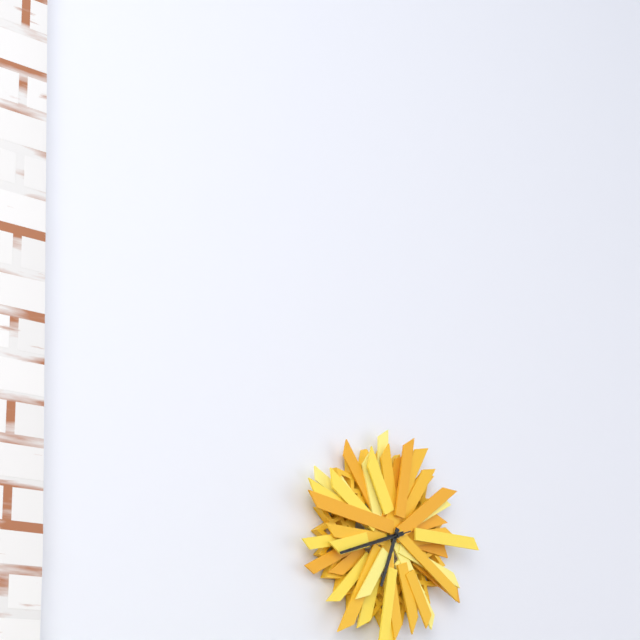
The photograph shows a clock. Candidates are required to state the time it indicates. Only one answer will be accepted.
6:42:42
